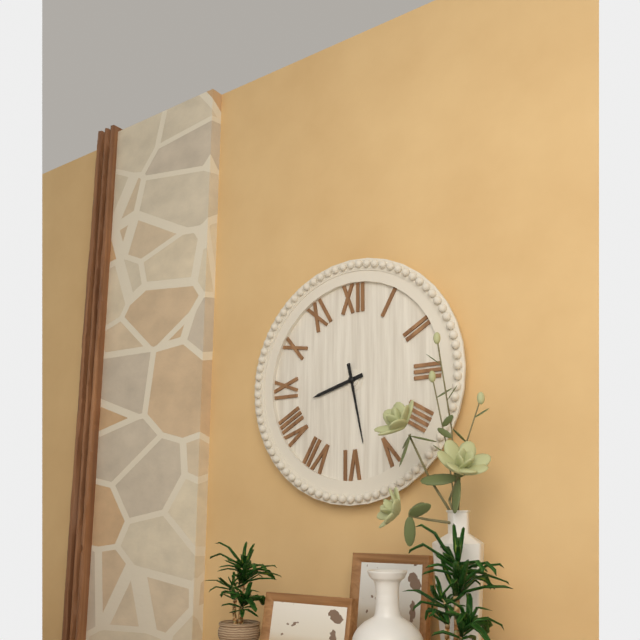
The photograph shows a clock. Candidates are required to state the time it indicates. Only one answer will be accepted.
8:28
